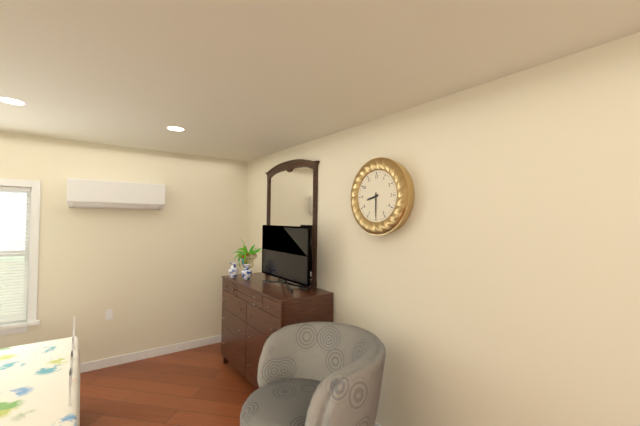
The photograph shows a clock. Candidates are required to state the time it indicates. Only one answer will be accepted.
8:30
